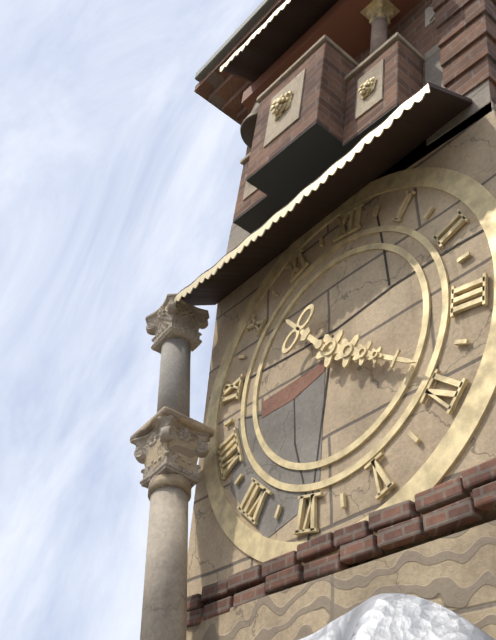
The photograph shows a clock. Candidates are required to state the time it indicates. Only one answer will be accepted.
10:19
